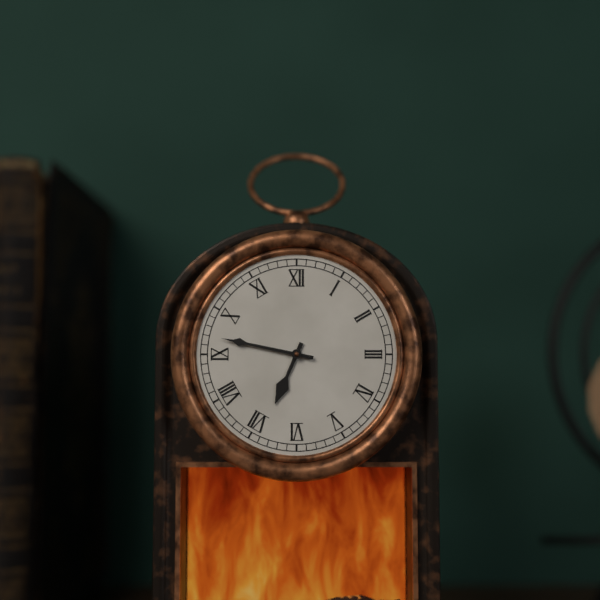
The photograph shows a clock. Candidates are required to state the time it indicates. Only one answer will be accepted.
6:47
